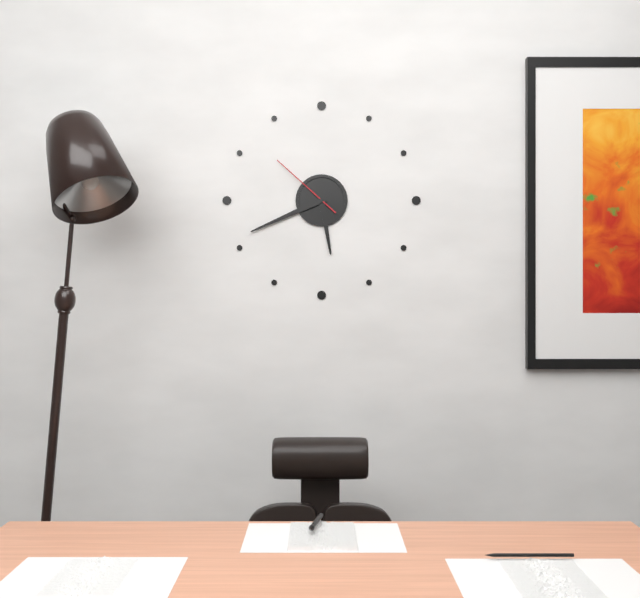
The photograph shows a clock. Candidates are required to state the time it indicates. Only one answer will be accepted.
5:41:52
